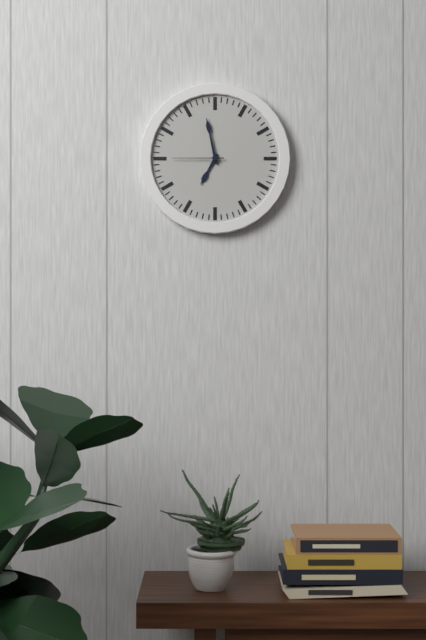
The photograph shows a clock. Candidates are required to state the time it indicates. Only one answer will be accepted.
6:58:45
